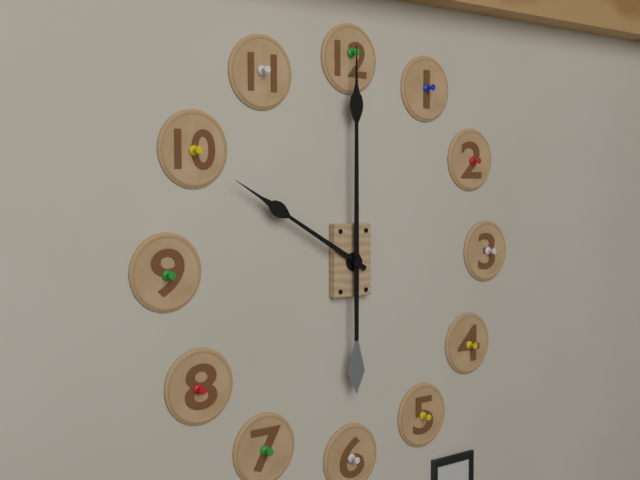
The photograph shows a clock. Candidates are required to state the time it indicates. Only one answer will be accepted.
10:00
